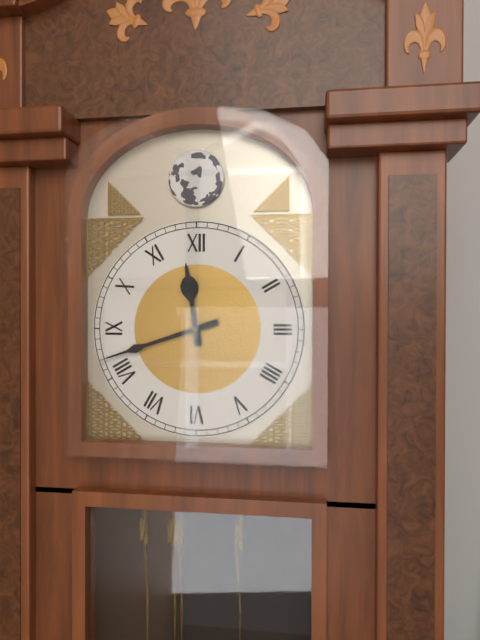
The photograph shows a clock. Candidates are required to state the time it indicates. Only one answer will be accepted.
11:42
